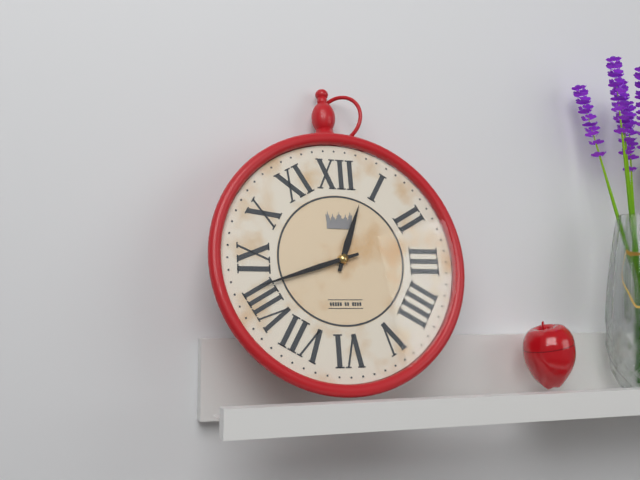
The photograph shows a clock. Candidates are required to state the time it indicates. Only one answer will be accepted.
12:42
